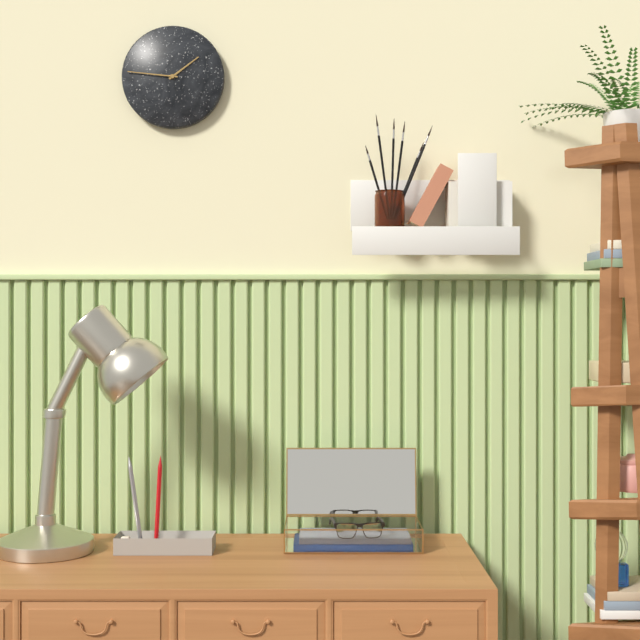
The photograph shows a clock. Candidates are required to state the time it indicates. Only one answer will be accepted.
1:46
